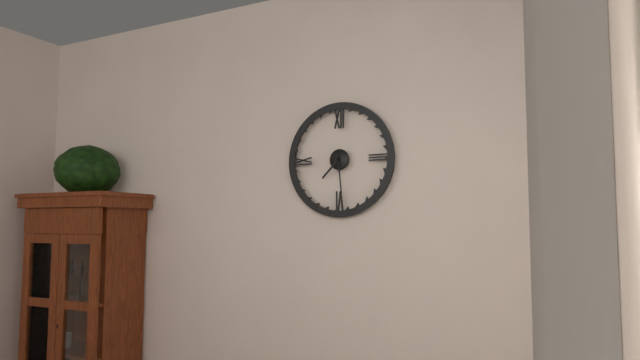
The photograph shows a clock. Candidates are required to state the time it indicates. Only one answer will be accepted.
7:29
